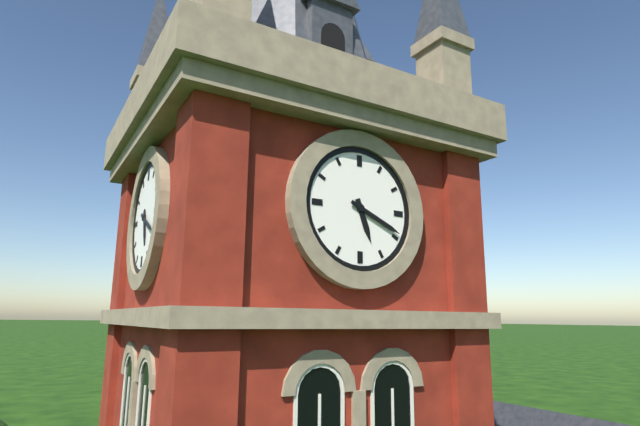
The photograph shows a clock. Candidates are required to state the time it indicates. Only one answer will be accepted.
5:19
